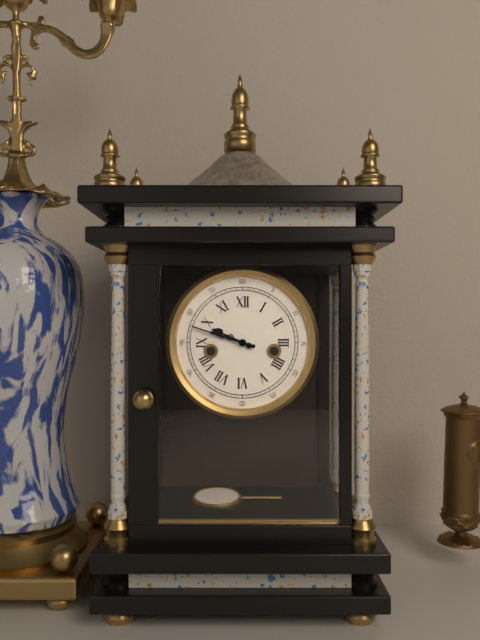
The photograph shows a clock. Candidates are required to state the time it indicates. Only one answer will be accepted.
9:48
